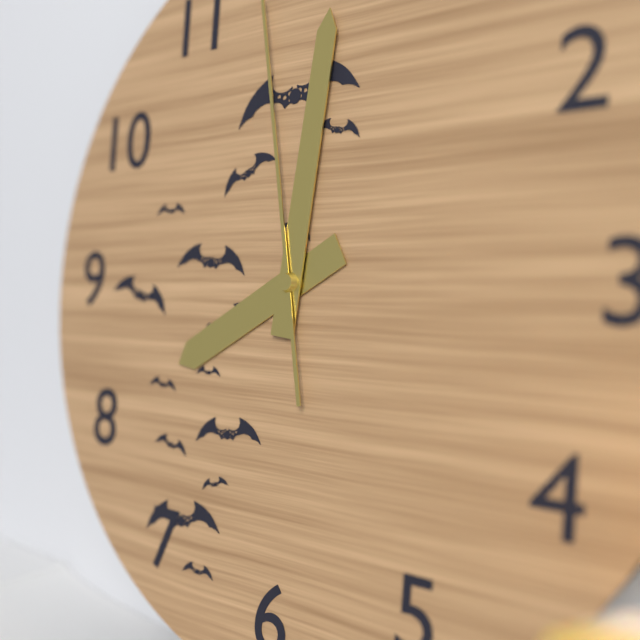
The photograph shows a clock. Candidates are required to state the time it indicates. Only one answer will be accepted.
8:01
